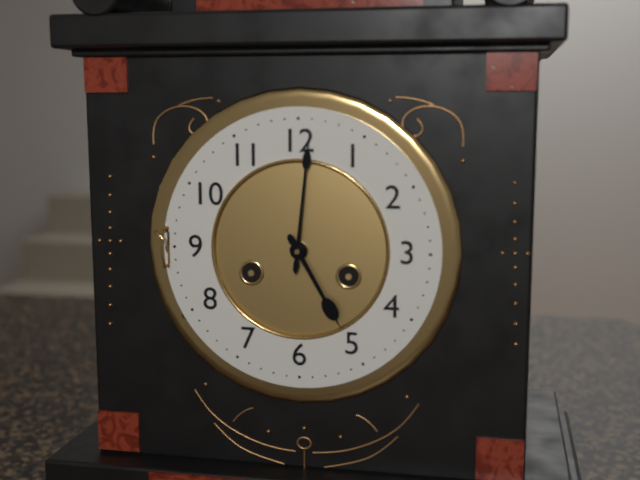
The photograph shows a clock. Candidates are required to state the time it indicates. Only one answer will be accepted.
5:01
